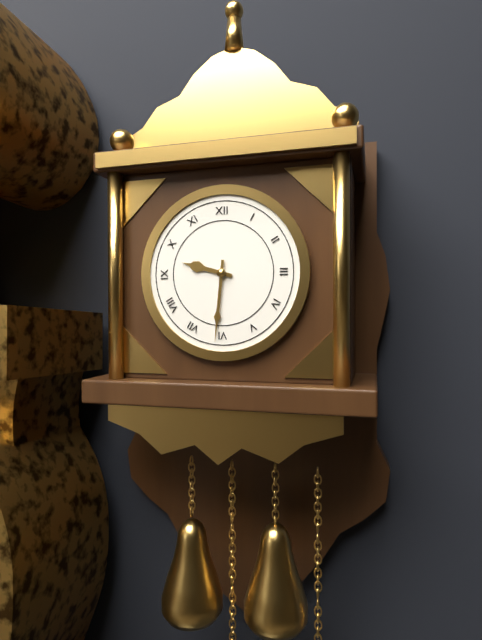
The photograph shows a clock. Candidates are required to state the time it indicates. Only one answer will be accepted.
9:31
